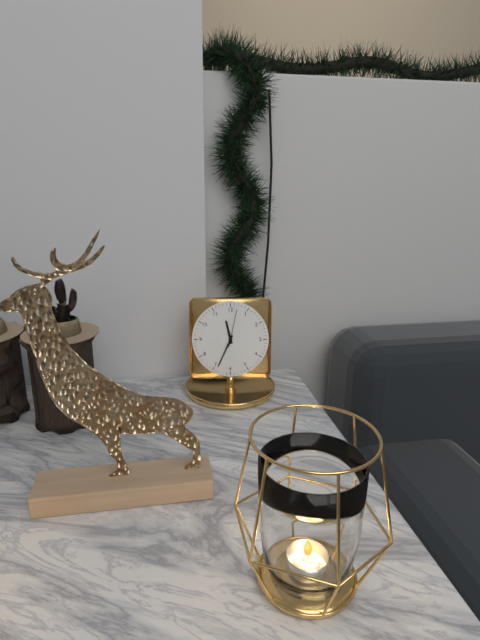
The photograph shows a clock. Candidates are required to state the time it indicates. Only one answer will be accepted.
11:34
